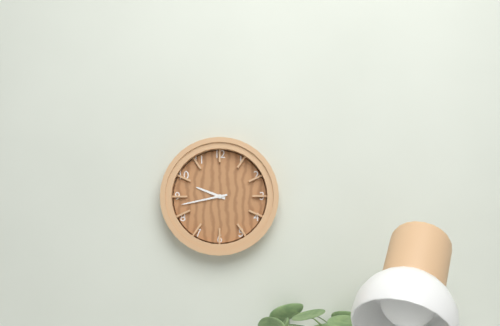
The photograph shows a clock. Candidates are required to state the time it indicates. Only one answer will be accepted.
9:43
